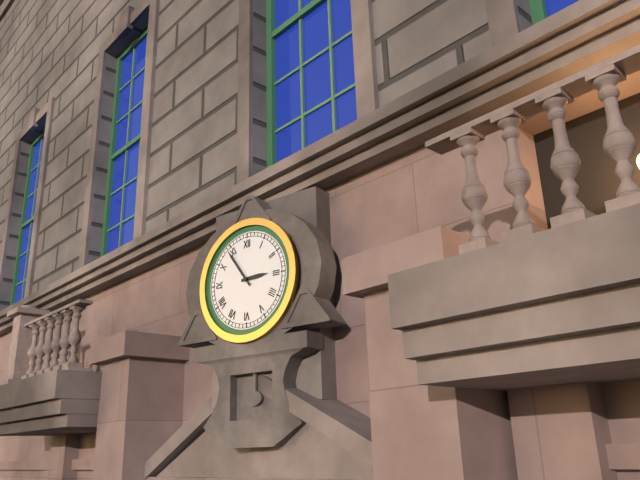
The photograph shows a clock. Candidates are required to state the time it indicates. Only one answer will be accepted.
2:54
